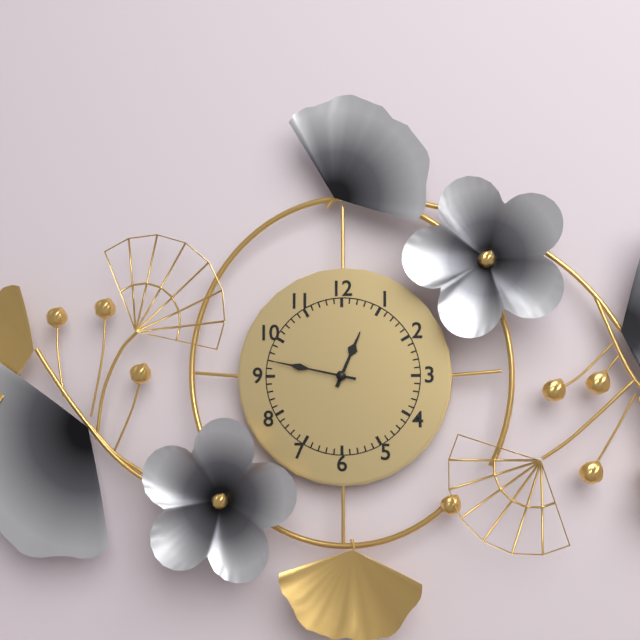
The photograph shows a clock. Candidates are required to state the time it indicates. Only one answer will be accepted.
12:47
